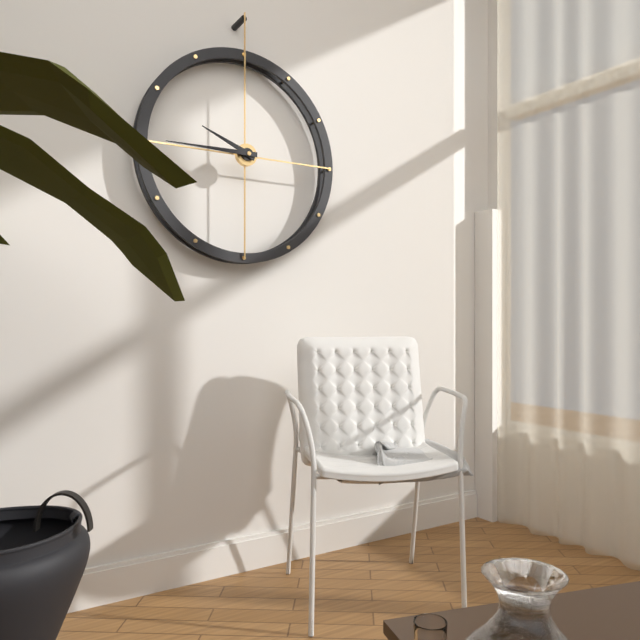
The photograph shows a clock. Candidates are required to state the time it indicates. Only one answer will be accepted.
9:45
